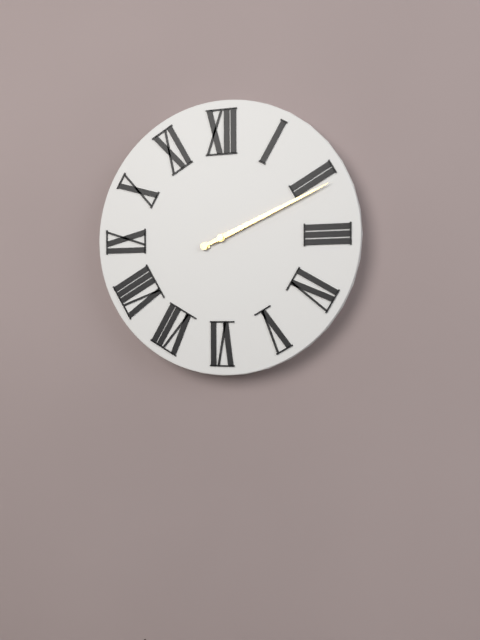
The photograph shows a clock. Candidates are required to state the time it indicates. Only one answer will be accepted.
2:11
